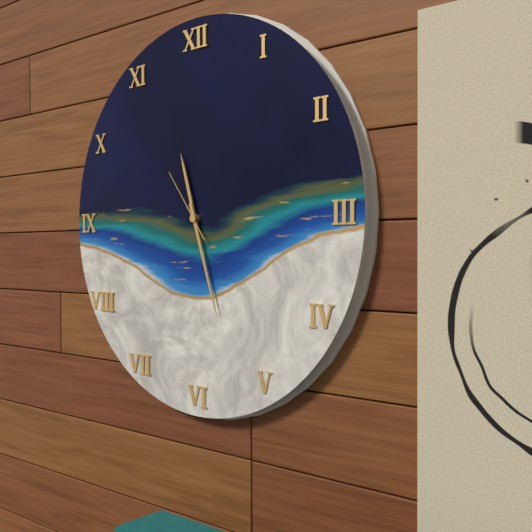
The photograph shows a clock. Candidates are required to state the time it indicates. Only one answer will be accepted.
11:27:54
